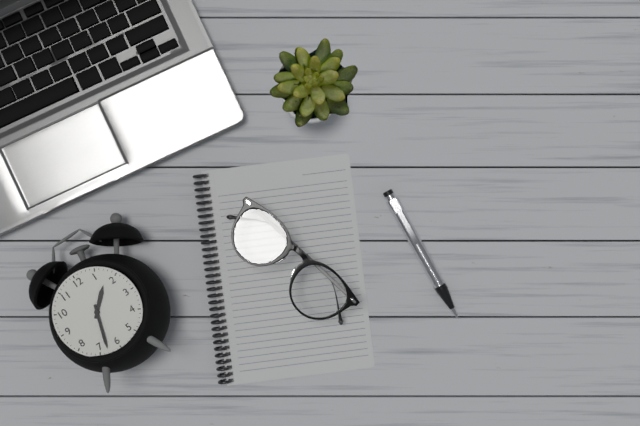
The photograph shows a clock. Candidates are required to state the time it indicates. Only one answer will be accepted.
1:33
